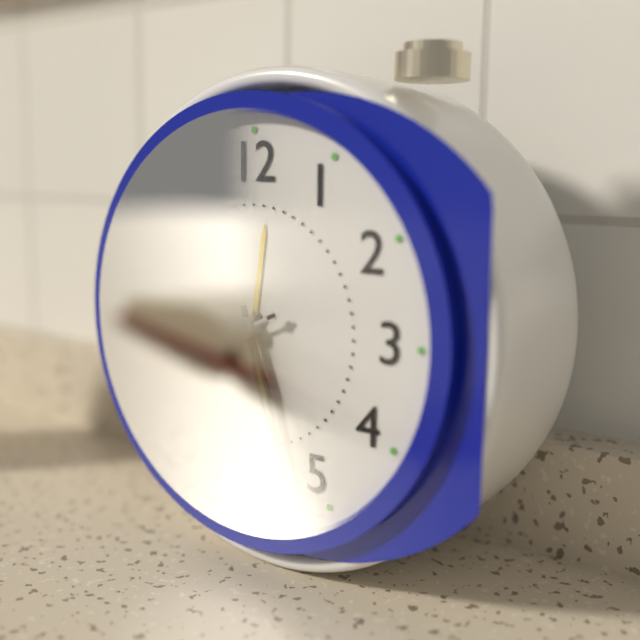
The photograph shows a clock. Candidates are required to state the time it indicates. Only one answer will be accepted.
7:27:41
